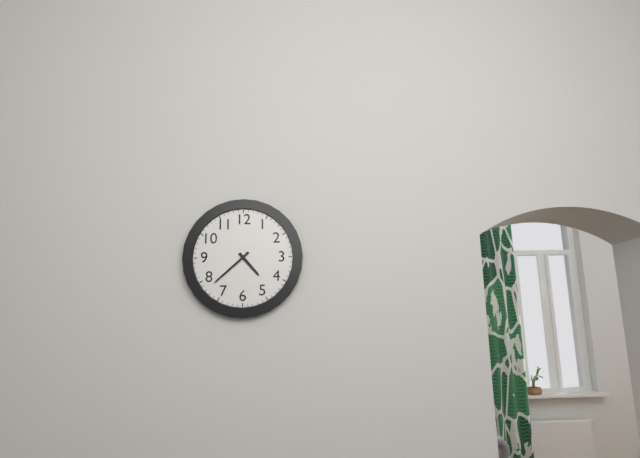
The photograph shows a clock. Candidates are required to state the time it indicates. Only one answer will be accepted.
4:38
